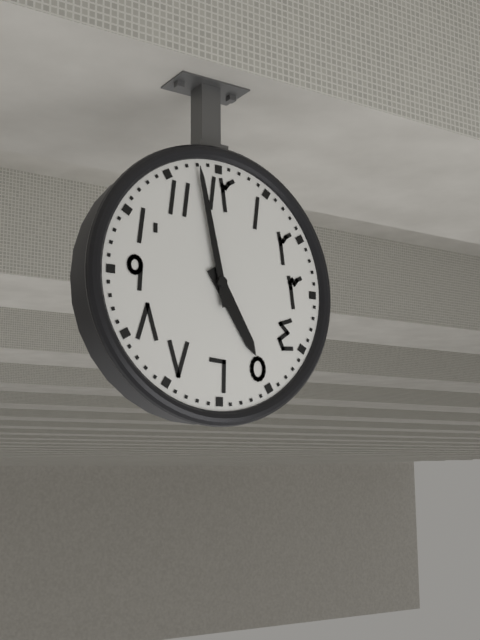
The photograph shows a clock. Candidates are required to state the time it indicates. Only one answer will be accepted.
4:58
